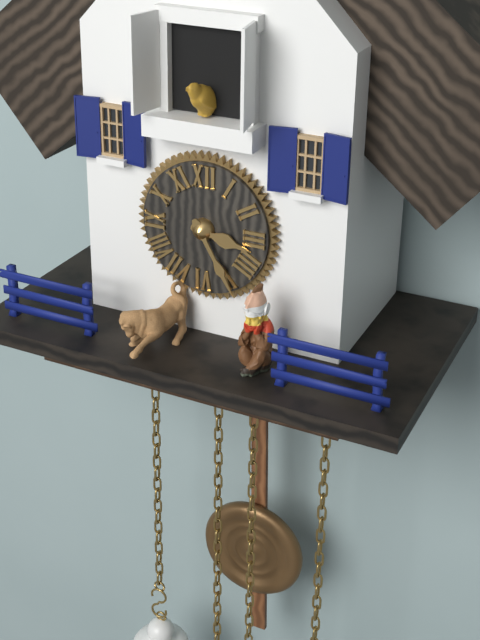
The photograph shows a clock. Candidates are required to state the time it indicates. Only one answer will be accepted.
3:25
